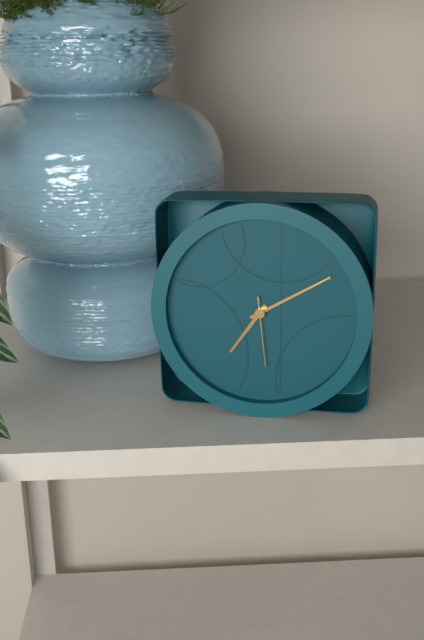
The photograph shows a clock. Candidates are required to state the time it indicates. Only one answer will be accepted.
7:10:29
